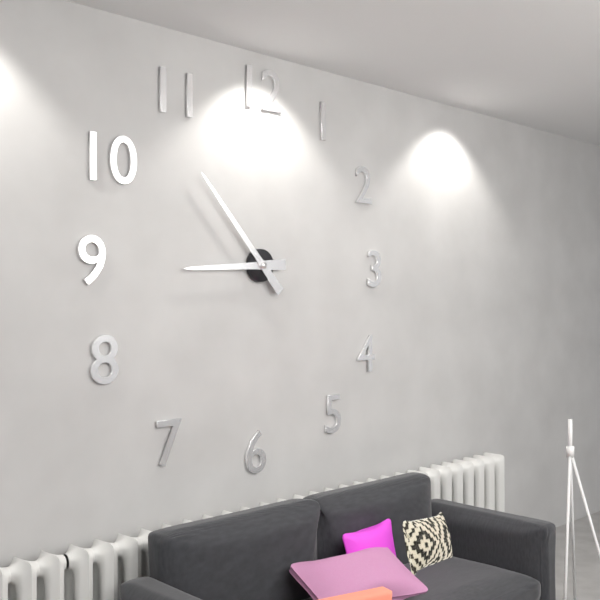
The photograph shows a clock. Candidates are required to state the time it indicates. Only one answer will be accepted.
8:53
